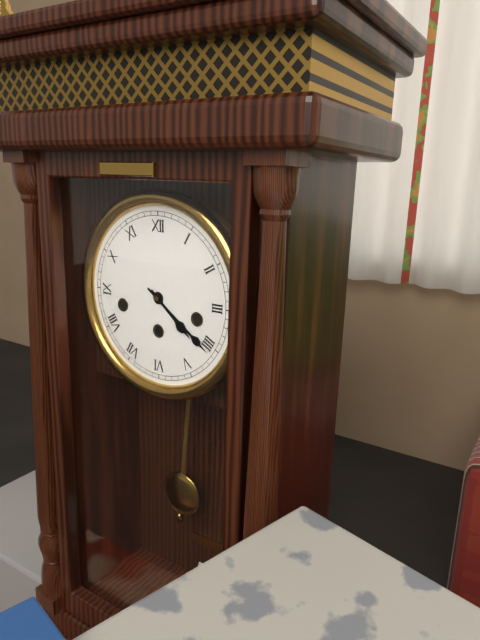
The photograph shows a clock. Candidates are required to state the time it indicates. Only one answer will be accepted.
4:21
